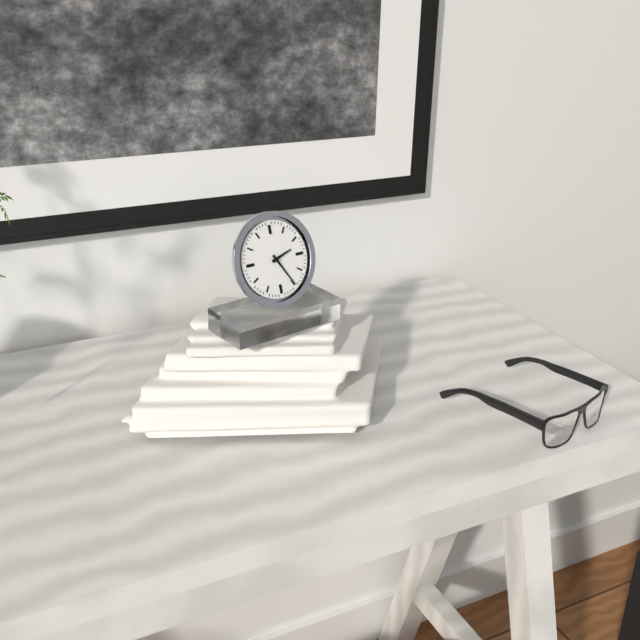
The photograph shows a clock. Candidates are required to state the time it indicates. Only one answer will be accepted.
2:25
